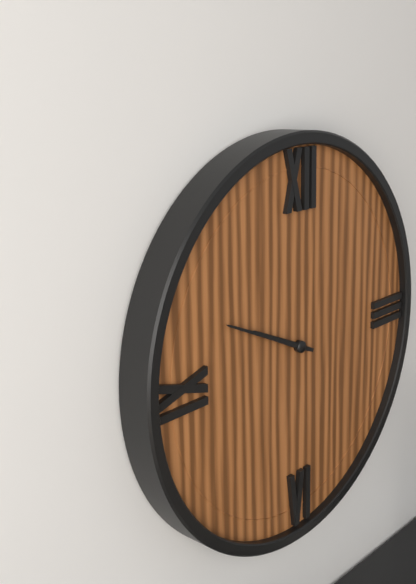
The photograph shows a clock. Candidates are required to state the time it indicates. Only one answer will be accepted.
9:49
